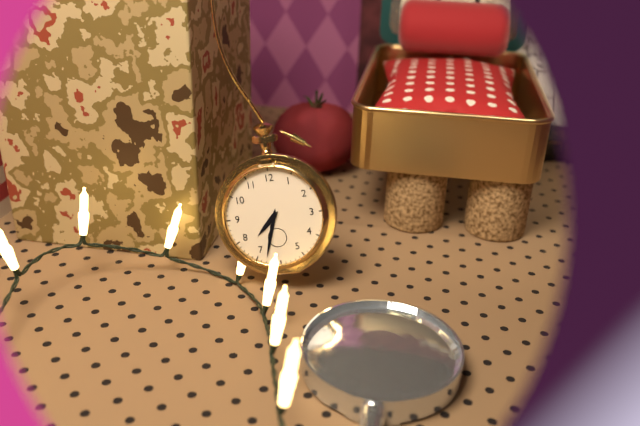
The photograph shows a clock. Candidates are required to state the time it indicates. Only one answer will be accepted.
7:33
